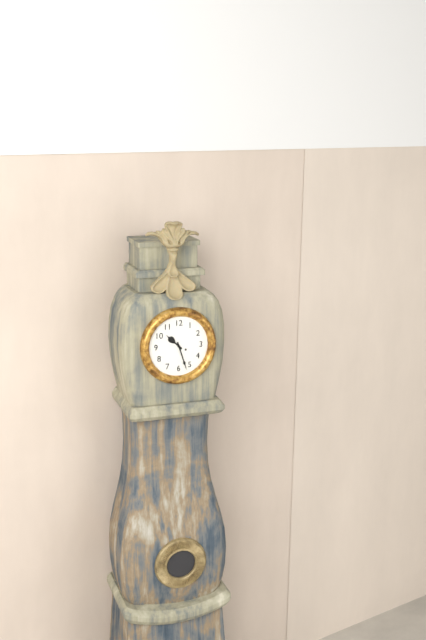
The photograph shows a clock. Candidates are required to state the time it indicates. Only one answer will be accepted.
10:27
